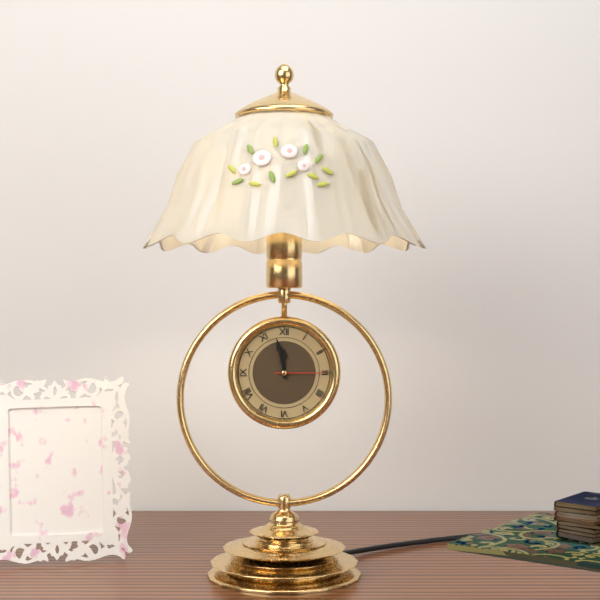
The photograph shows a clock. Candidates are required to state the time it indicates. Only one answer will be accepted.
11:58:15
